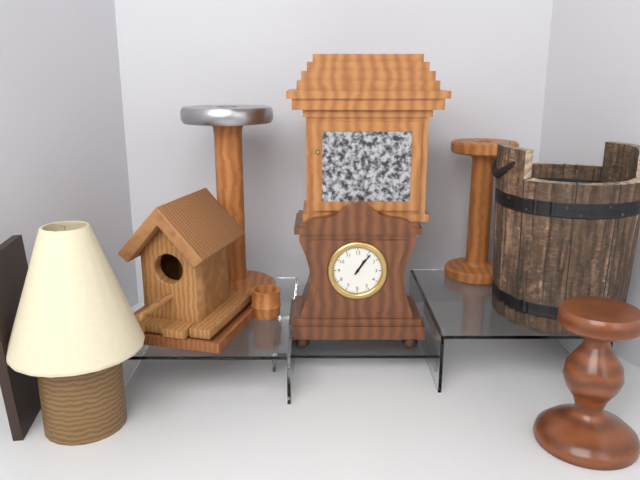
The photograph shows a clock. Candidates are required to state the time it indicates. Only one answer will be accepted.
1:06
